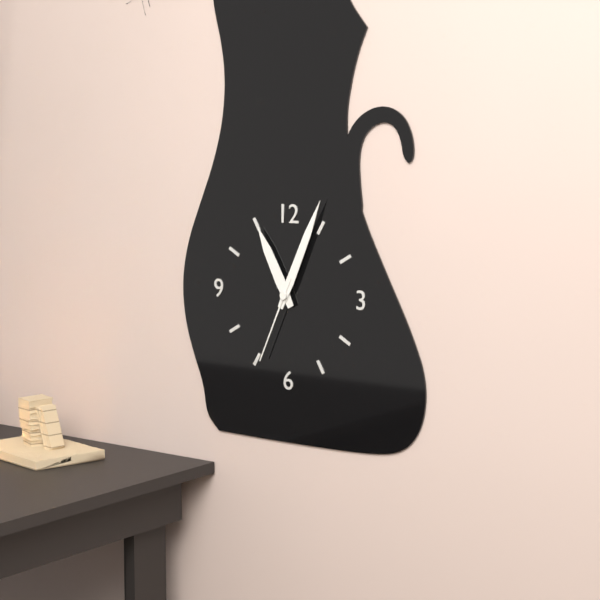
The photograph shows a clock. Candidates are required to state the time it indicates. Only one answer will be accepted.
11:04:34
